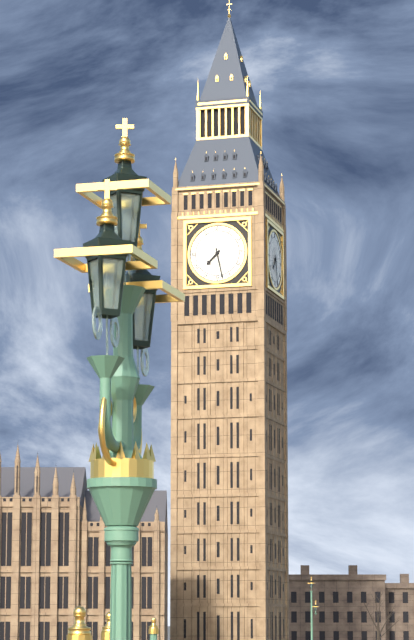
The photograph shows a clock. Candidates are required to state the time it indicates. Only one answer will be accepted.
7:28
